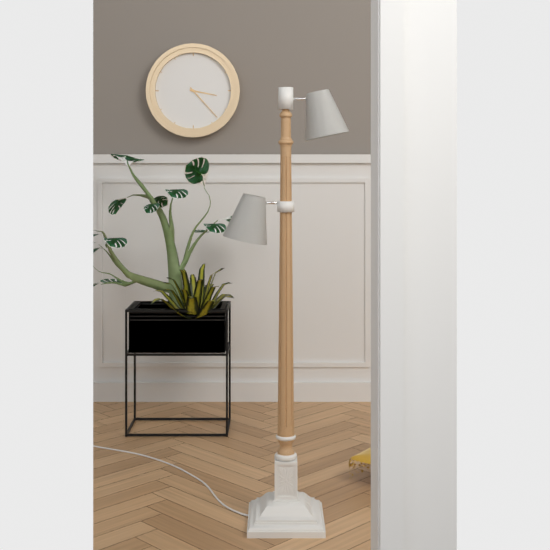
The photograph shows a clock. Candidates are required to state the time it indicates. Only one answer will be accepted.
3:23
